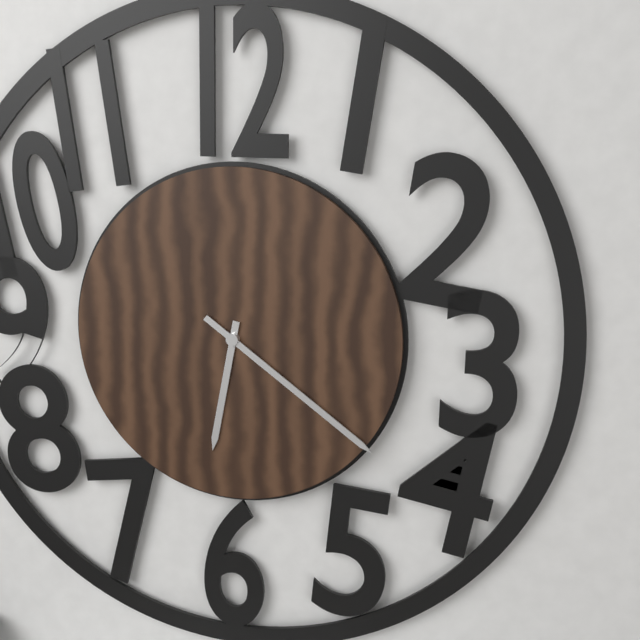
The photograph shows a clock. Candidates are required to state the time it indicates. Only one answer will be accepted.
6:21
